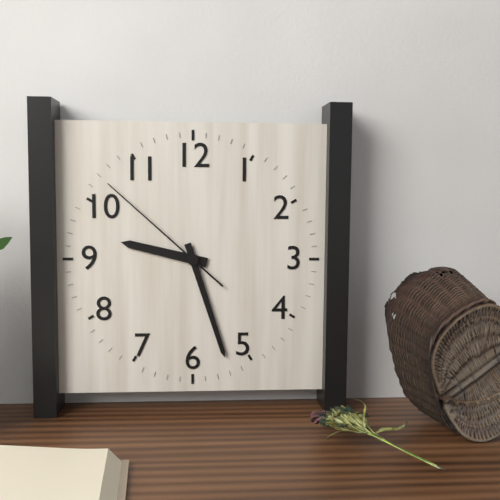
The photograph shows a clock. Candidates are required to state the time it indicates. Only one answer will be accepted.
9:27:52
